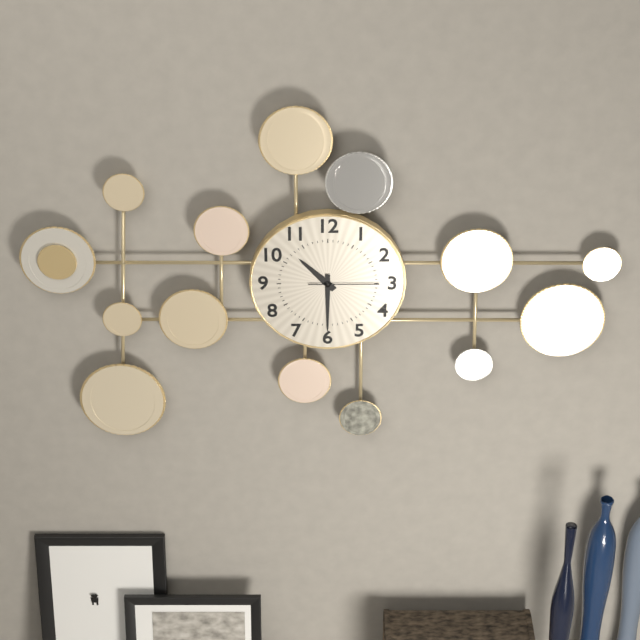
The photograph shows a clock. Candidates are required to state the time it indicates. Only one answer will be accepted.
10:30:15
